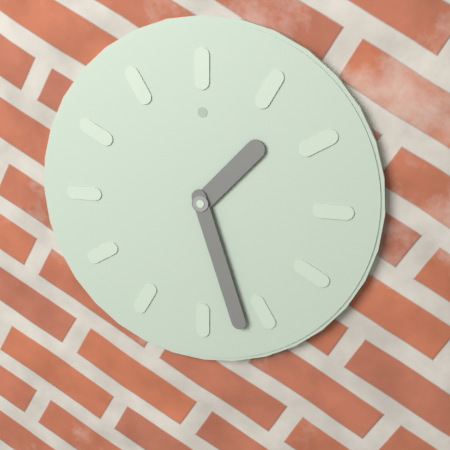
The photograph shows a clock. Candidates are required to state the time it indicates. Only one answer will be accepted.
1:27
